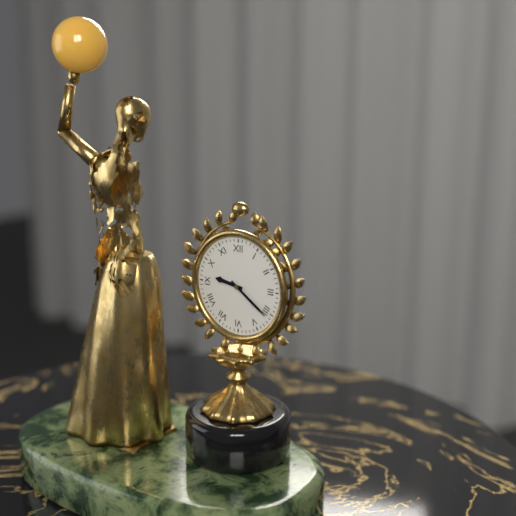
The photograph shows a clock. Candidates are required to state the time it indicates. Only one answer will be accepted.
9:21
